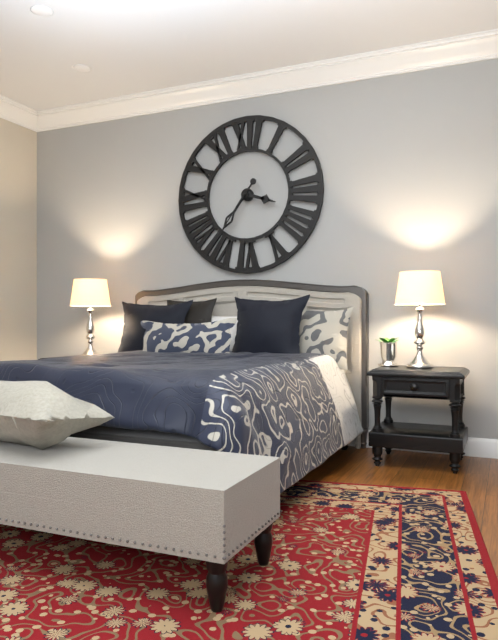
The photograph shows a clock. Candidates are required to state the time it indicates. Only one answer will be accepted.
3:36:36
